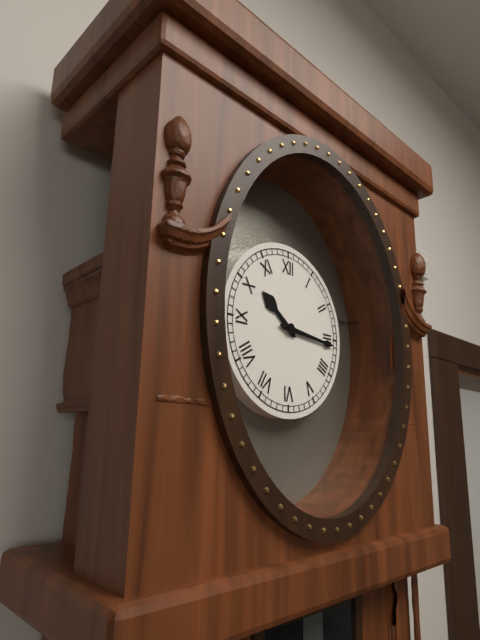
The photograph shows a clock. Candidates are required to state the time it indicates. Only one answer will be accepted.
10:16
